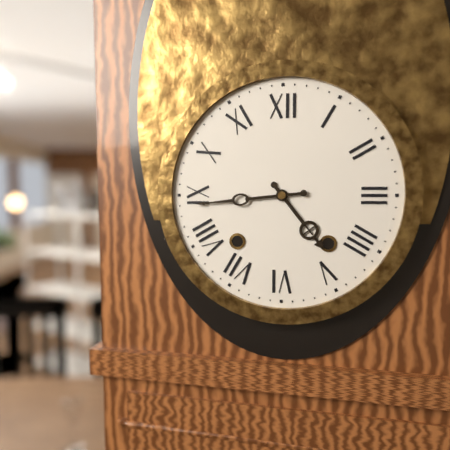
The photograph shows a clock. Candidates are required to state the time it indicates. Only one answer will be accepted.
4:44
